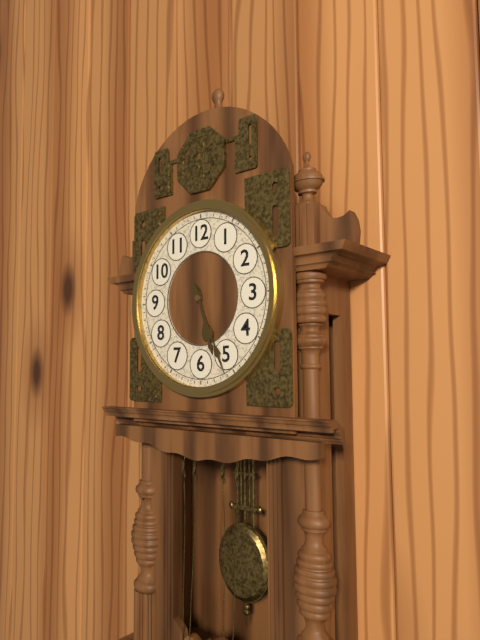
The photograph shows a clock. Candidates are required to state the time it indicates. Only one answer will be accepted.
5:26
